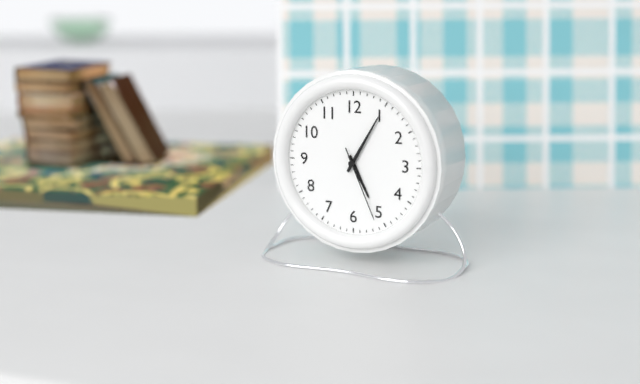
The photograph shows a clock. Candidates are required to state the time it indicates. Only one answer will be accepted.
5:05:26
